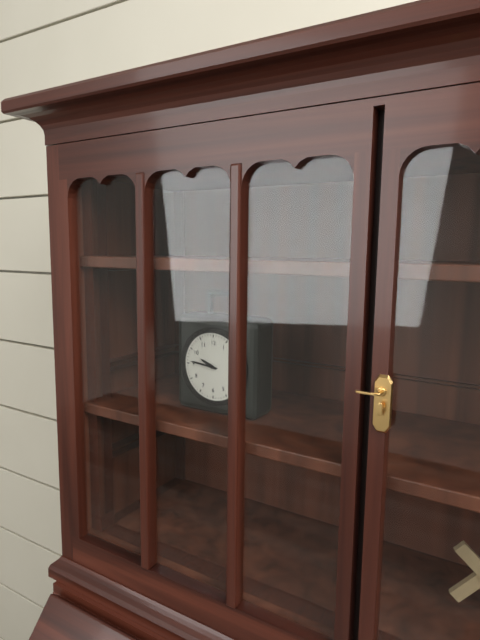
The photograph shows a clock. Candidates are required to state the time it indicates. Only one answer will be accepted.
9:46
